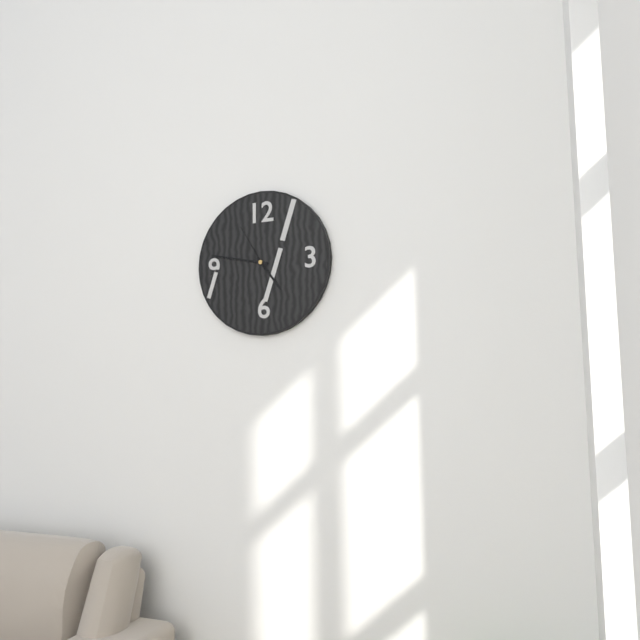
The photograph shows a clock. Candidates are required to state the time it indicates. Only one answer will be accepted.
4:47:55
